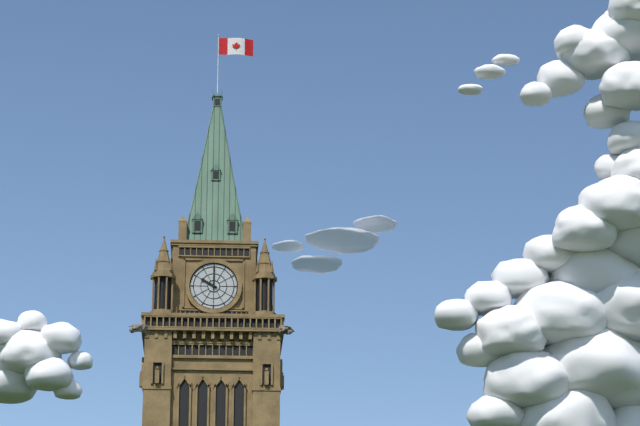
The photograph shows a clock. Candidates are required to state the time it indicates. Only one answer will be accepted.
10:00
